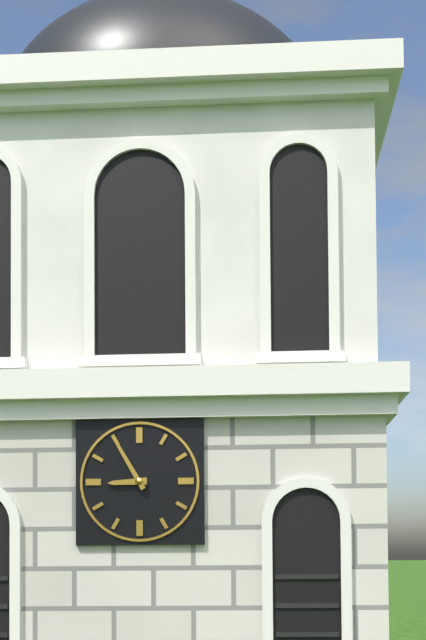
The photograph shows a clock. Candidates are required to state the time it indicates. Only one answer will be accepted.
8:55
